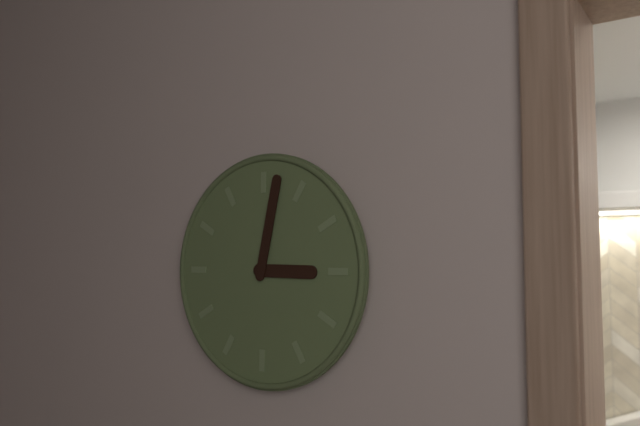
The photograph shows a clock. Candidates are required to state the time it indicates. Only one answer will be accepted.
3:02
